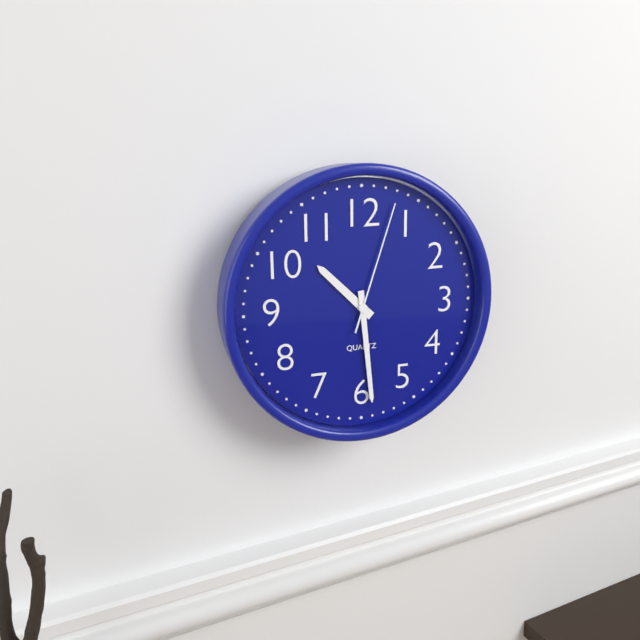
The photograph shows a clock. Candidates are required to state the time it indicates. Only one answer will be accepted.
10:29:03
